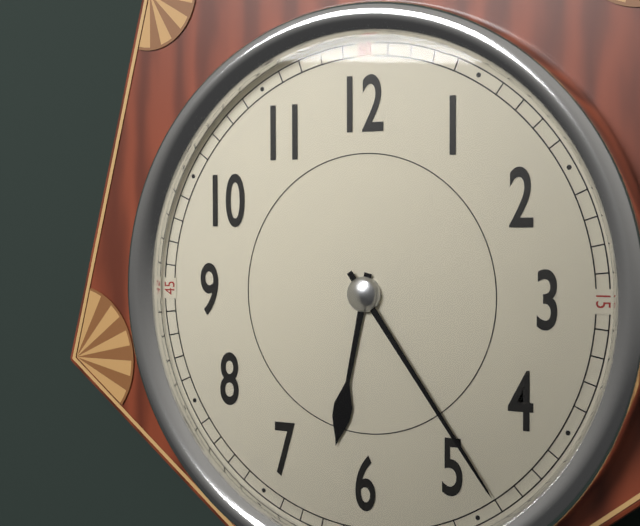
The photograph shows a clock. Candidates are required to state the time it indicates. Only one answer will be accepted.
6:24
